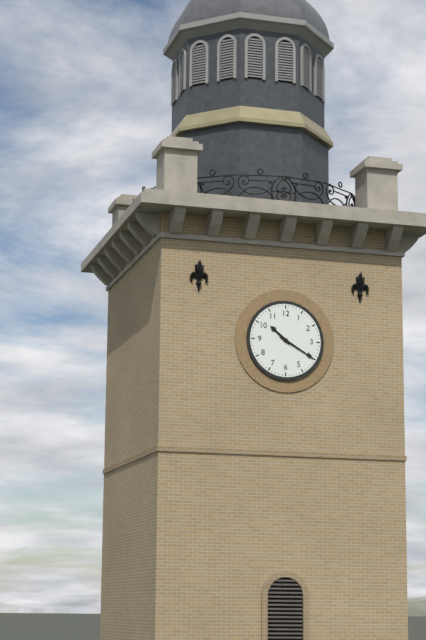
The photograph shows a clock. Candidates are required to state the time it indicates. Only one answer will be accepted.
10:20
